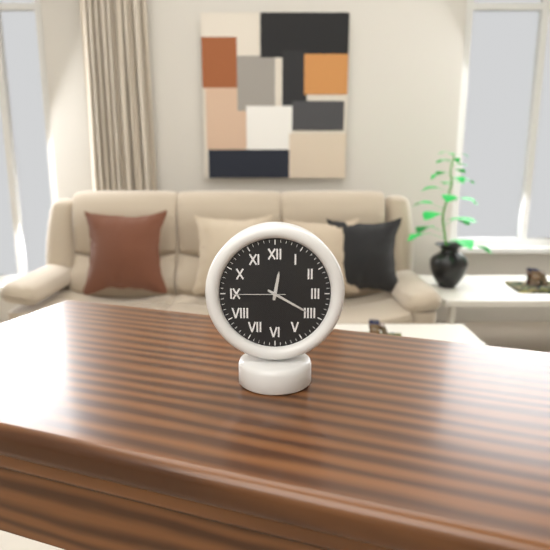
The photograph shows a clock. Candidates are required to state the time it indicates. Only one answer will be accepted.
12:20:45
